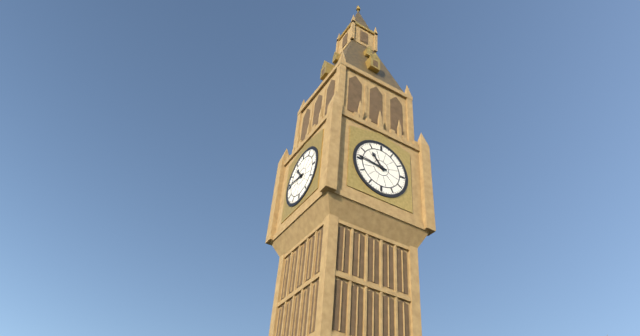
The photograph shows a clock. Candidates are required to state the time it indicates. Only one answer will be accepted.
10:46
